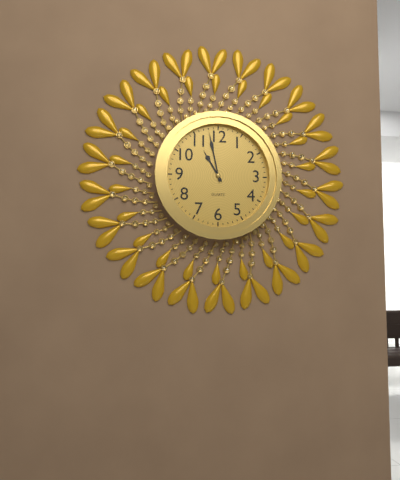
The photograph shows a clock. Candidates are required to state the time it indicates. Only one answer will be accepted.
10:58
